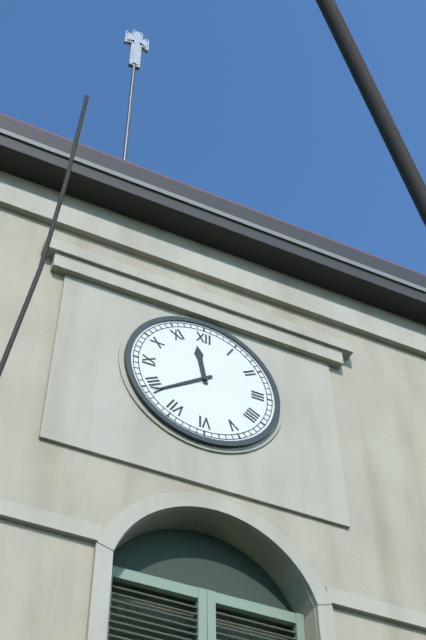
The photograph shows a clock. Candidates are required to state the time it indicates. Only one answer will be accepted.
11:39
